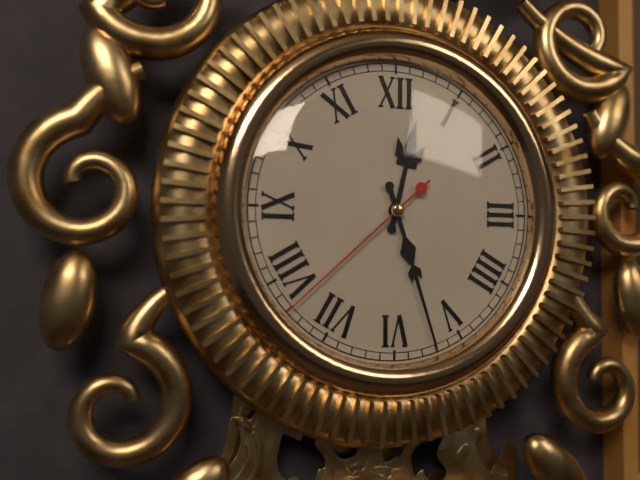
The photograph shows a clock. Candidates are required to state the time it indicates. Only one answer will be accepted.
12:27:38
